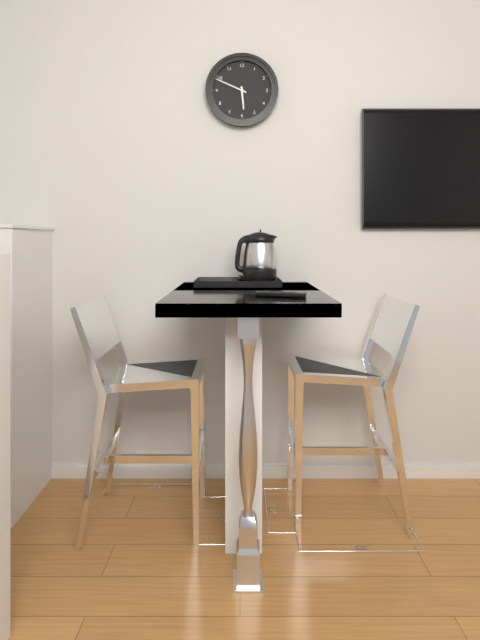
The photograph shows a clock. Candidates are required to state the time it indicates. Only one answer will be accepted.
5:49
